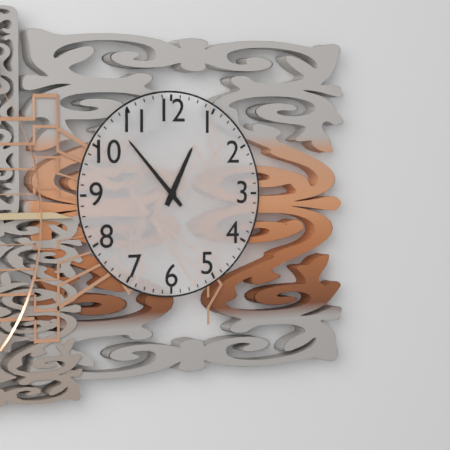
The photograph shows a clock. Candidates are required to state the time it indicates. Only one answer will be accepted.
12:53
